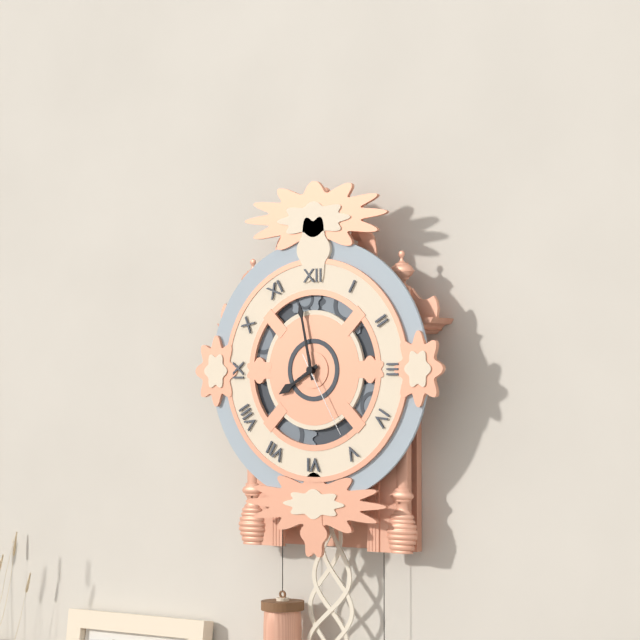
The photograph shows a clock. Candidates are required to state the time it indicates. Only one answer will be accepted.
7:58:25
